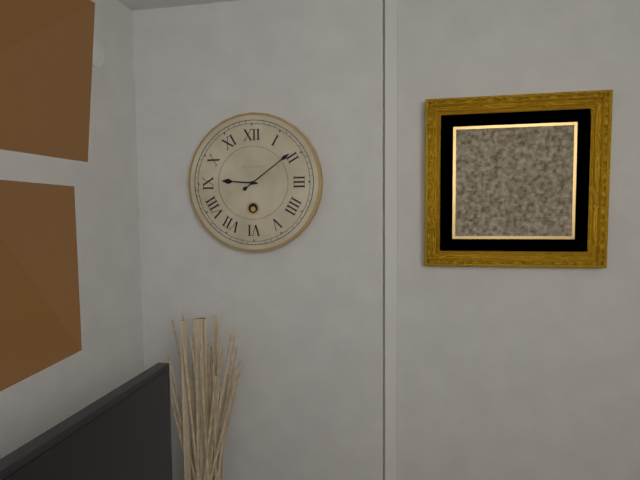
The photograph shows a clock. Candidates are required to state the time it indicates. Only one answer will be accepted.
9:09
